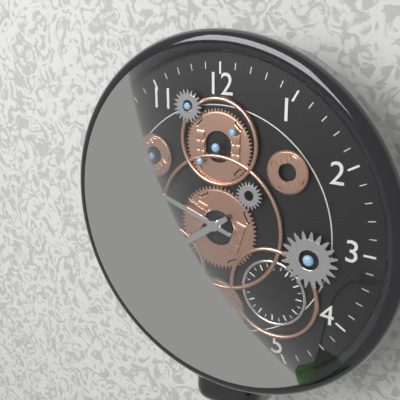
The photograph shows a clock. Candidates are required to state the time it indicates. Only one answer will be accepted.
7:48
